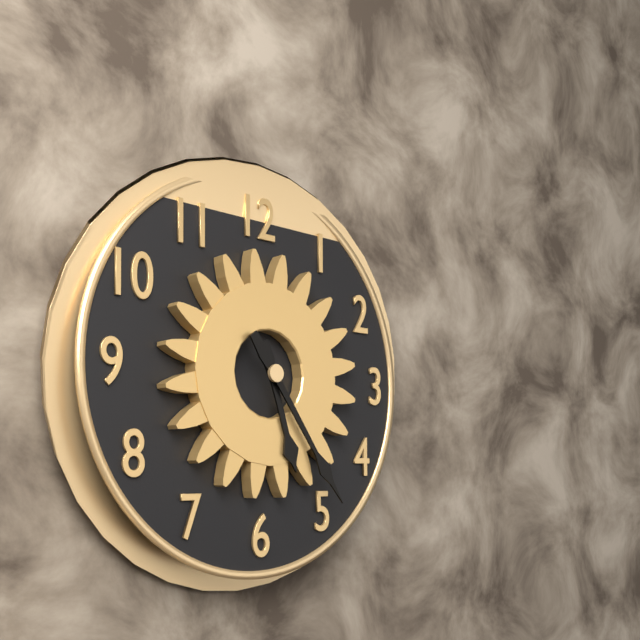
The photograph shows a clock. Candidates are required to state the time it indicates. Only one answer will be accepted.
5:24
